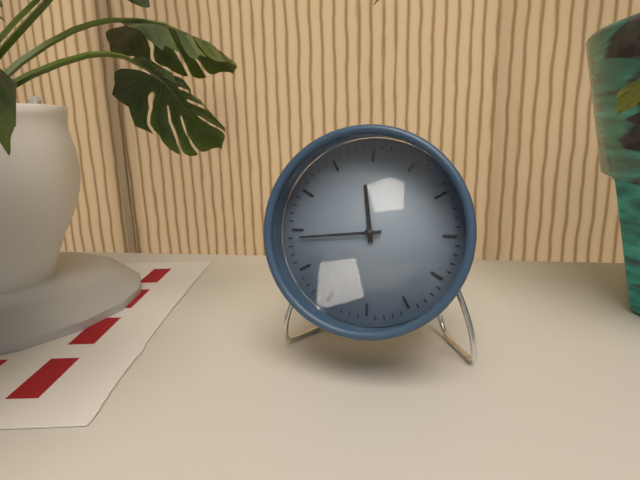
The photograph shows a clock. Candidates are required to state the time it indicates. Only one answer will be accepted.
11:44
